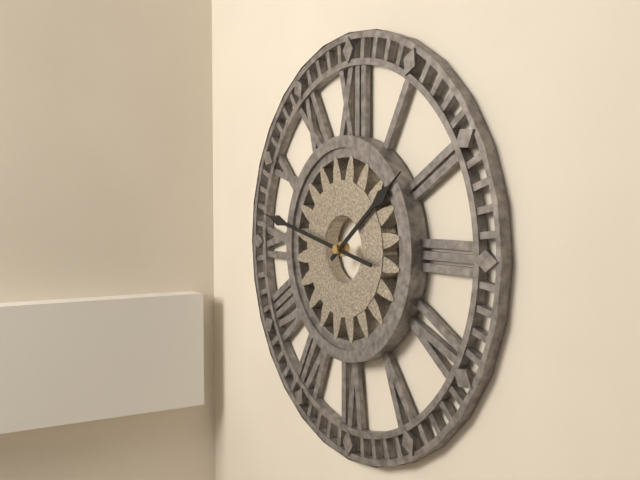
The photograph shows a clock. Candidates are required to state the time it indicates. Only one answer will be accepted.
1:47
